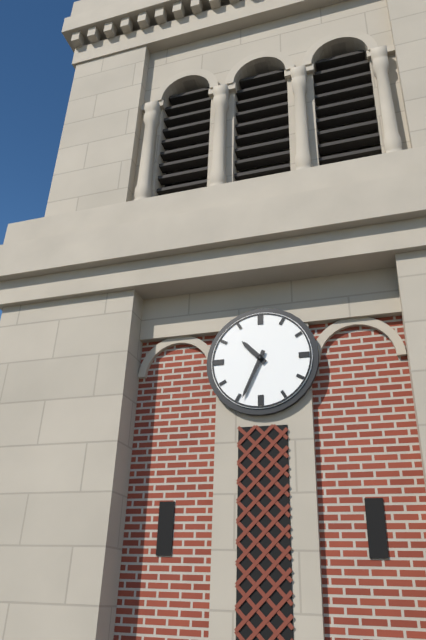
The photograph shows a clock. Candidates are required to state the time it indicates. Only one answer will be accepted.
10:34
